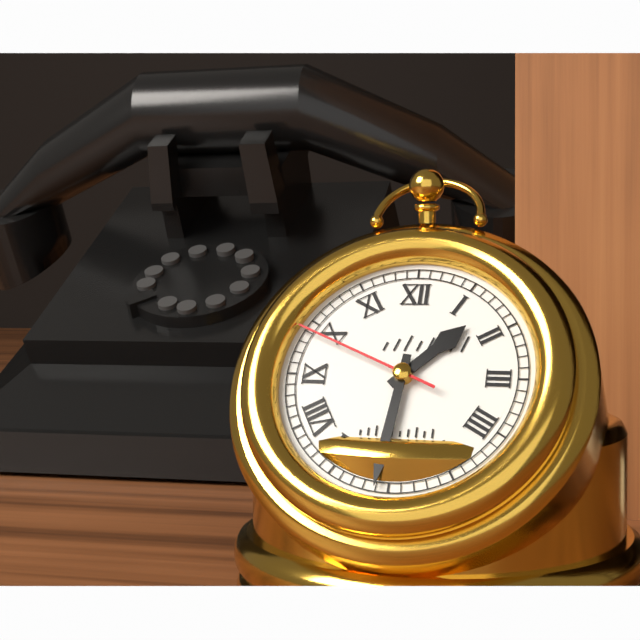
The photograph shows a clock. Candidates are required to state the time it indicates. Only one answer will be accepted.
1:31:49
